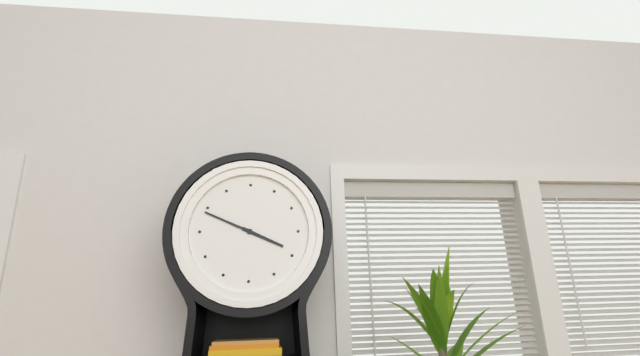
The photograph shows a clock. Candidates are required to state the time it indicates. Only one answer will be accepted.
3:49
